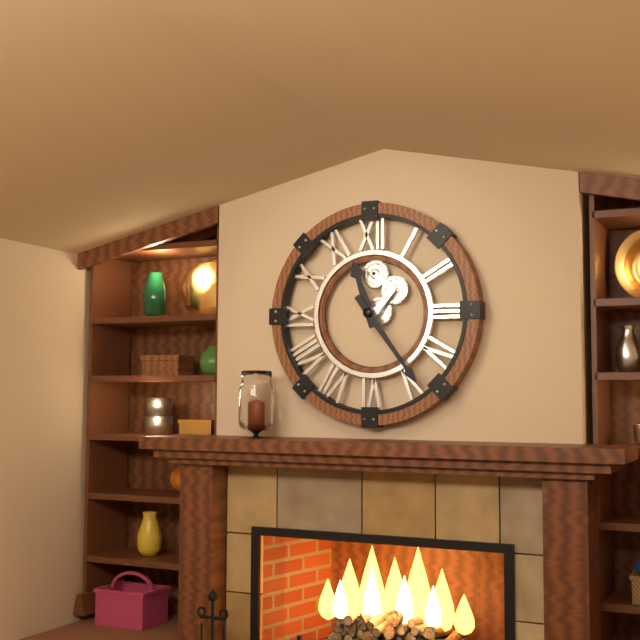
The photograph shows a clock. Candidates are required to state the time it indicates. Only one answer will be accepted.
11:24
